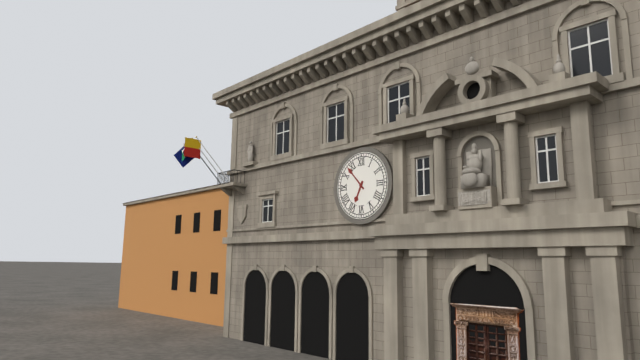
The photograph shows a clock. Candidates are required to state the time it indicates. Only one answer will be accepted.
6:53
